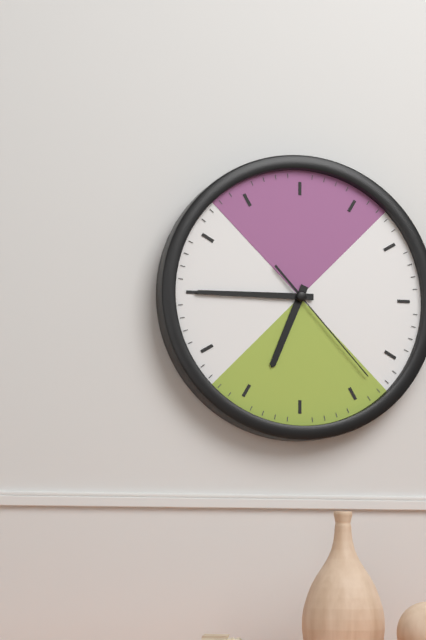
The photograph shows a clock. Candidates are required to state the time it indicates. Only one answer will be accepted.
6:45:23
